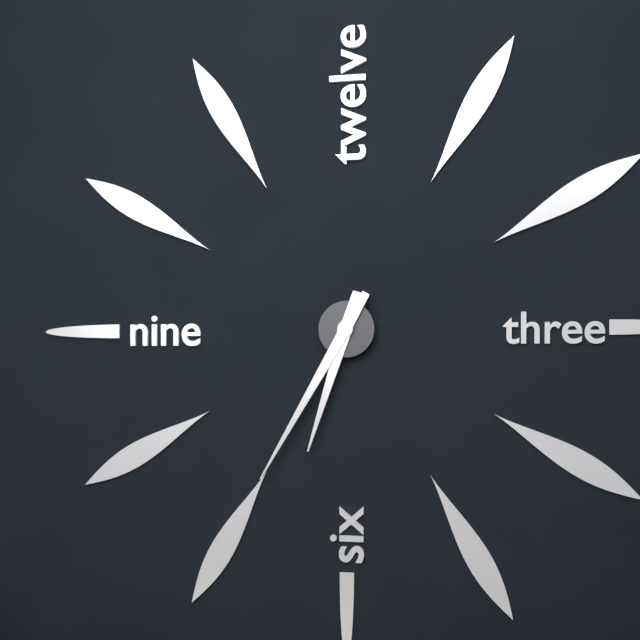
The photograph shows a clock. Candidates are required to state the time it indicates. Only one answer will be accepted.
6:35
